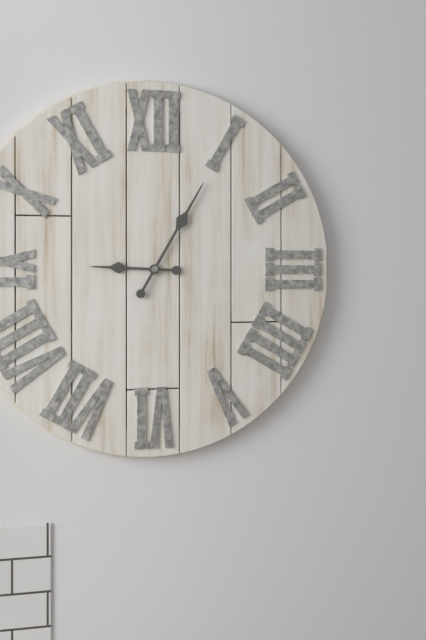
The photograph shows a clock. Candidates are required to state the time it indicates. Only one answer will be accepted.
9:05
